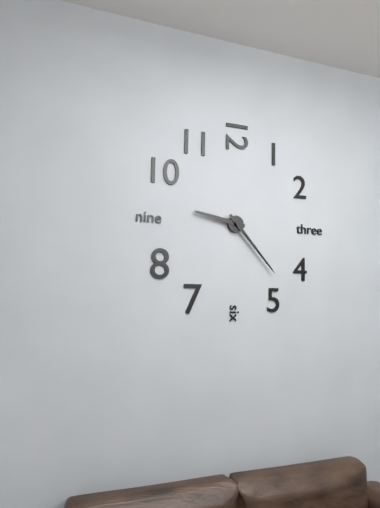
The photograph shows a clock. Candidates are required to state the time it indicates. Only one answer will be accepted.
9:23
